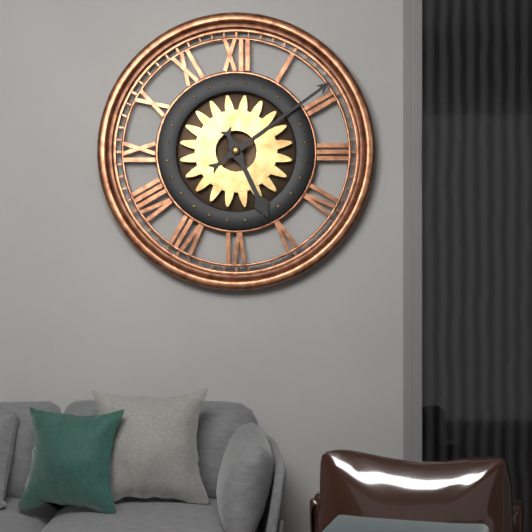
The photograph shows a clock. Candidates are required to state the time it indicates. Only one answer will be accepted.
5:09
